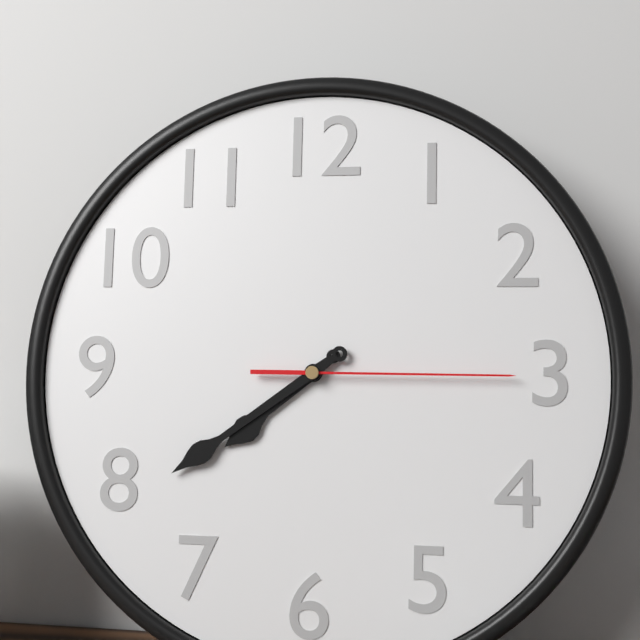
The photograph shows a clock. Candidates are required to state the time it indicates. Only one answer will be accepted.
7:39:15
